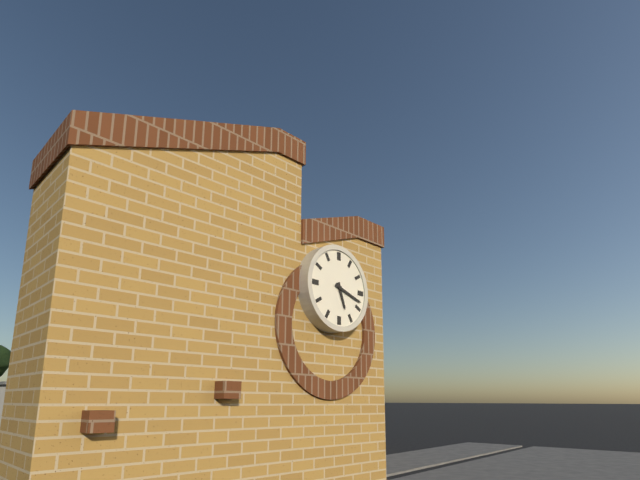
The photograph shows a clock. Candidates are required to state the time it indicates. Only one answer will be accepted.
5:18
